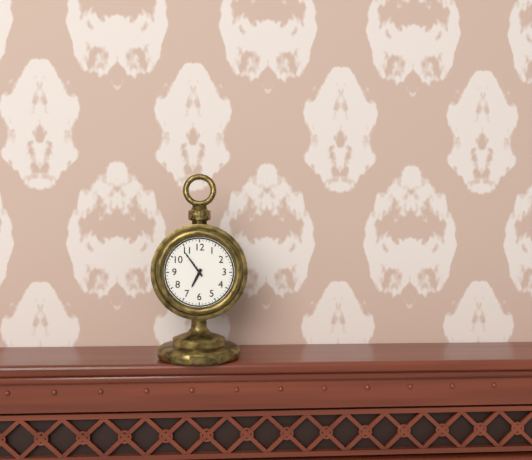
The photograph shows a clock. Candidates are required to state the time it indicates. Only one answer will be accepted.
6:54
